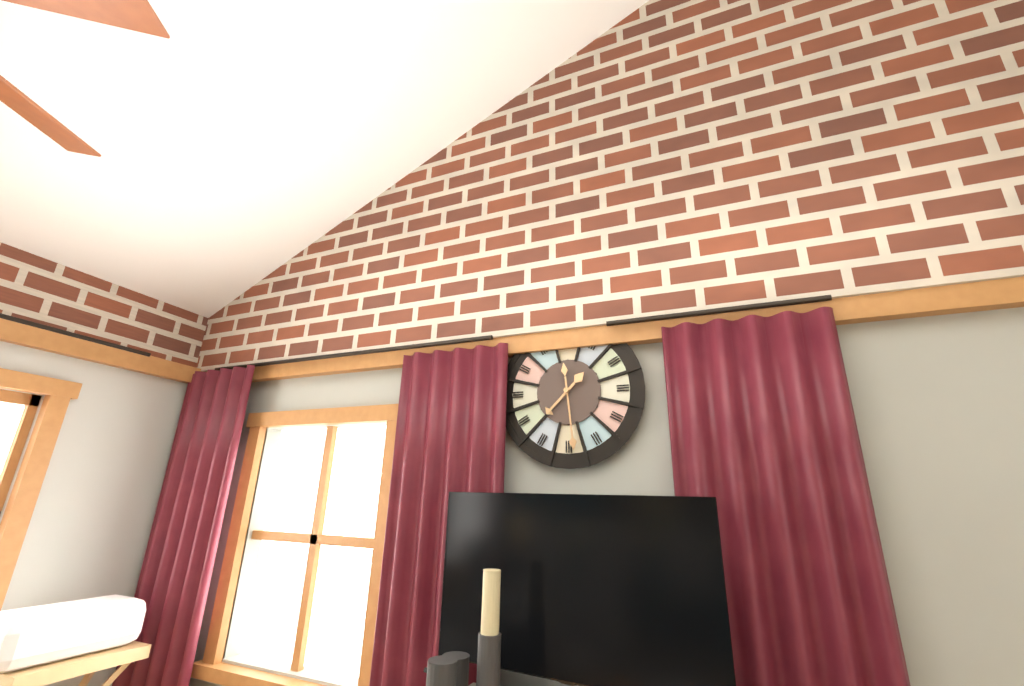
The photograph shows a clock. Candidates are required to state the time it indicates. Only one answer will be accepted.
7:29
